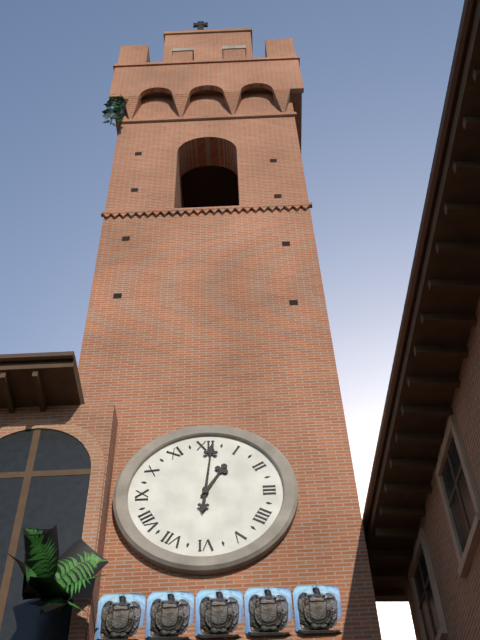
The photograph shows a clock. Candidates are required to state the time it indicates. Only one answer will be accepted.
1:01
